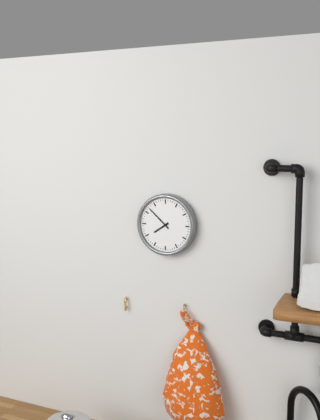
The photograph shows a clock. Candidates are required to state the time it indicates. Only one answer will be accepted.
7:52
